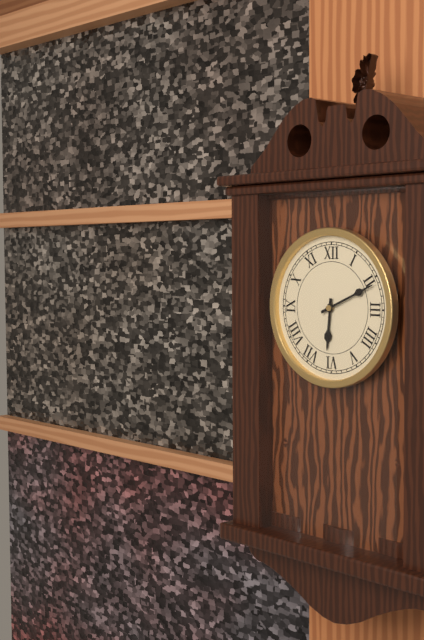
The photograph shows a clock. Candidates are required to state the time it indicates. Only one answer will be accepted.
6:11
